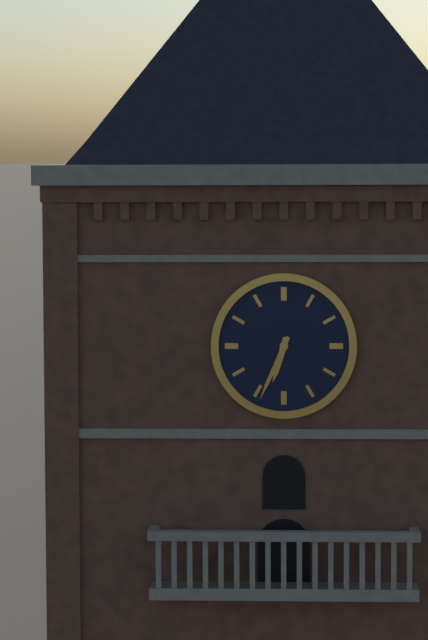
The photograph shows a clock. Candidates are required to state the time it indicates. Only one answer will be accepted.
6:34
